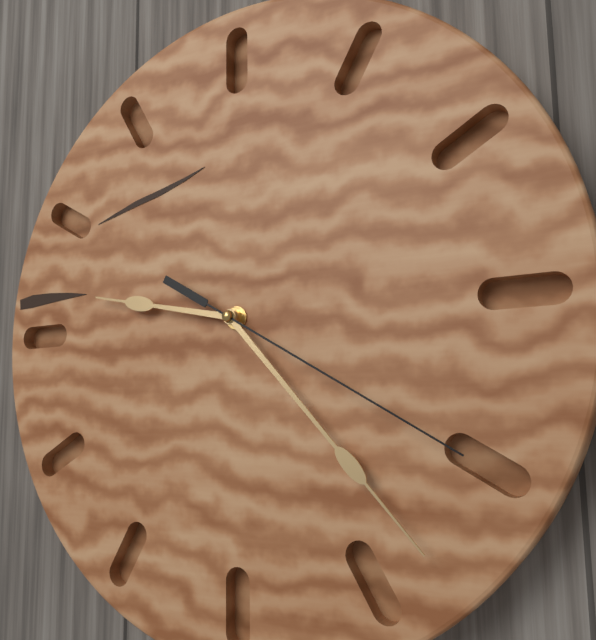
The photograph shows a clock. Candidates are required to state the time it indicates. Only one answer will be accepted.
9:23:20
